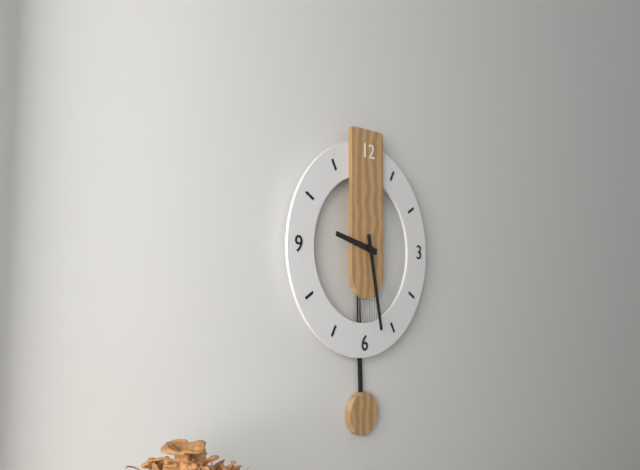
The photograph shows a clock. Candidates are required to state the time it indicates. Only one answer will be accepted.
9:28
